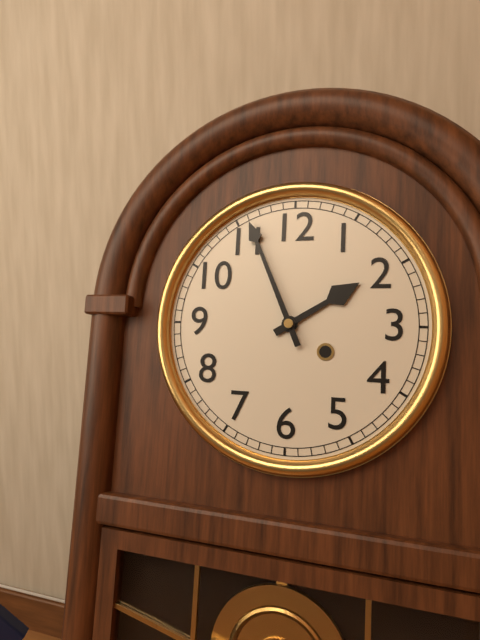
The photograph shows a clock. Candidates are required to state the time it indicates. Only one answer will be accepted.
1:56
